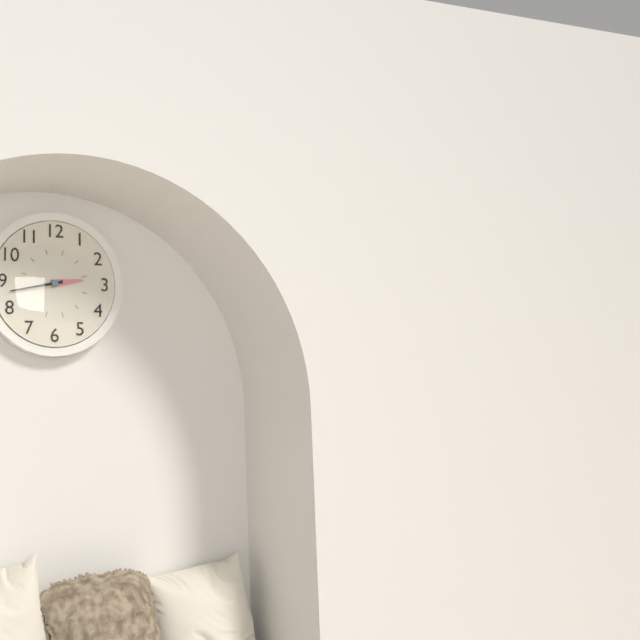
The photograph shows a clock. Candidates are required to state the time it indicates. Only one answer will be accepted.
2:43
